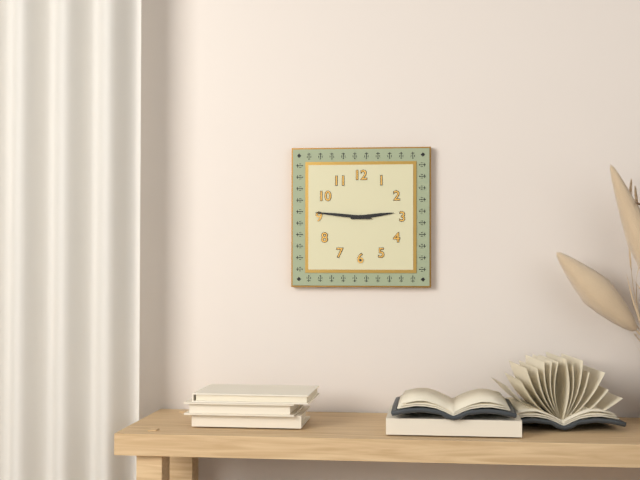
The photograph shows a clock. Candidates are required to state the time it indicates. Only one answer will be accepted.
2:46
